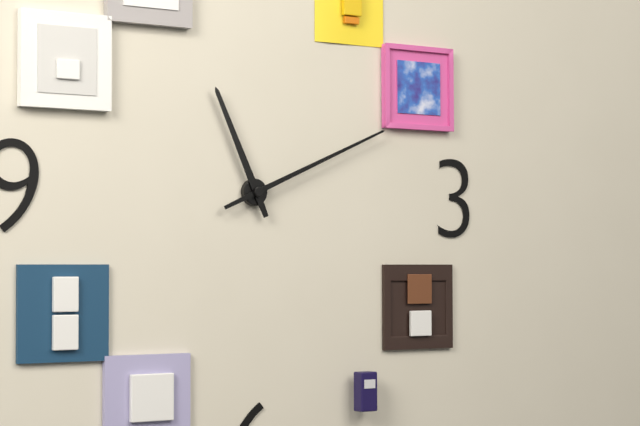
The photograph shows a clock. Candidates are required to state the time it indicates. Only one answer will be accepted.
11:11
